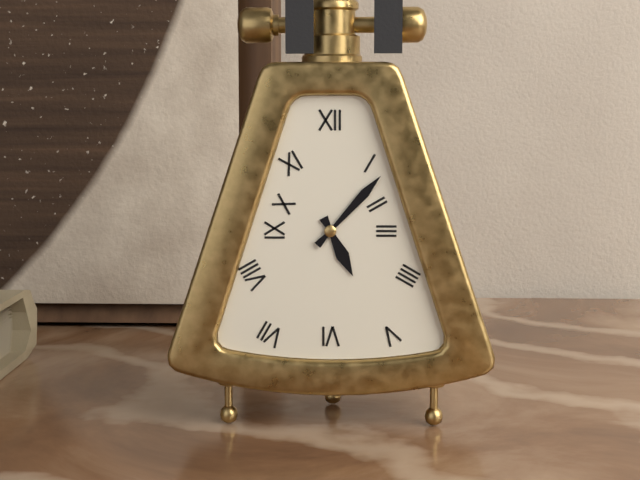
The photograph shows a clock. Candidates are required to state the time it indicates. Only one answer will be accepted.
5:07
